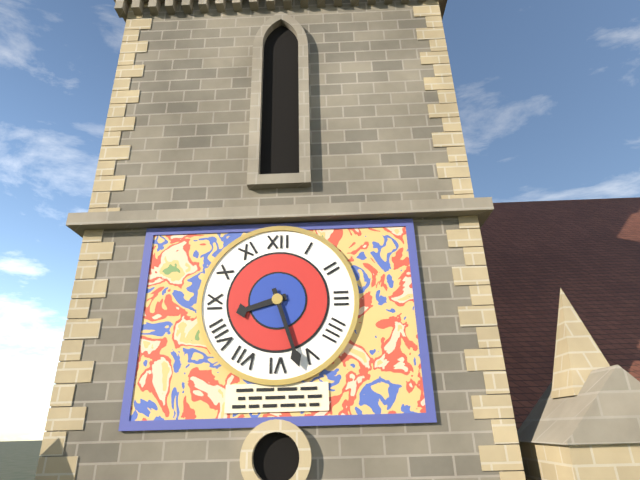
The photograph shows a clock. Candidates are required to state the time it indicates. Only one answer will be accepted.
8:27
